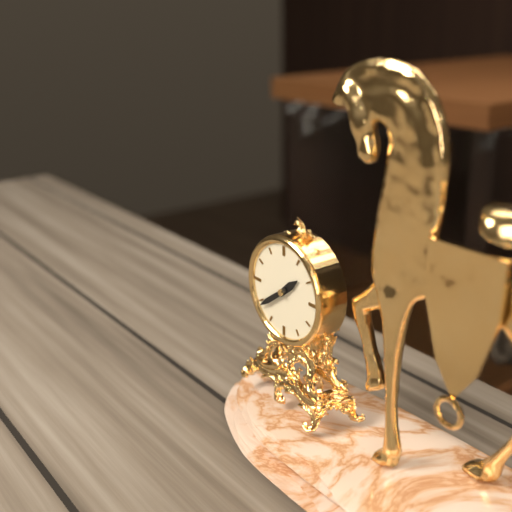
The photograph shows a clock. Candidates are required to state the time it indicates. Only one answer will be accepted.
1:39
